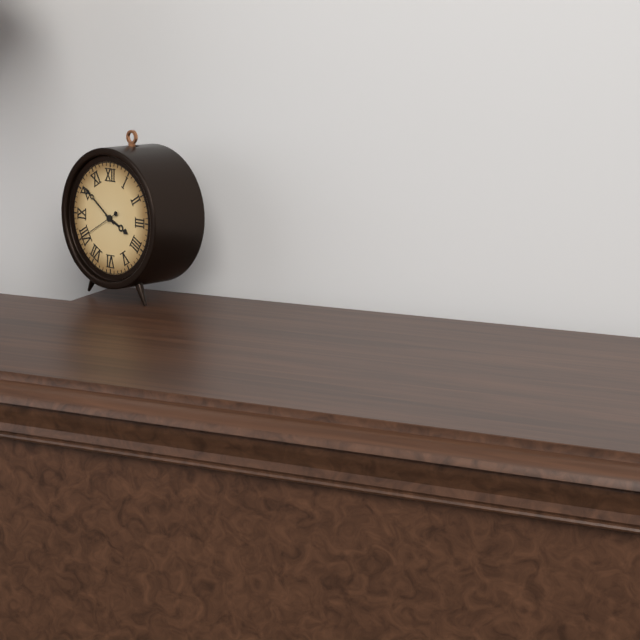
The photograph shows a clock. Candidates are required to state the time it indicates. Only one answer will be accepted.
3:51
